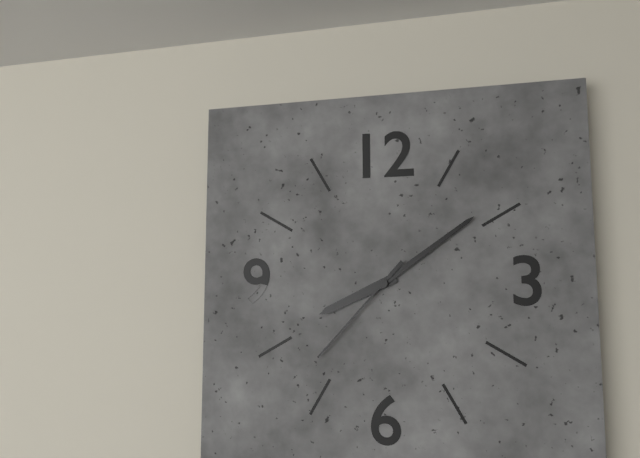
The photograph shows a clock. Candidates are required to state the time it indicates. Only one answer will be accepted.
8:09:37
